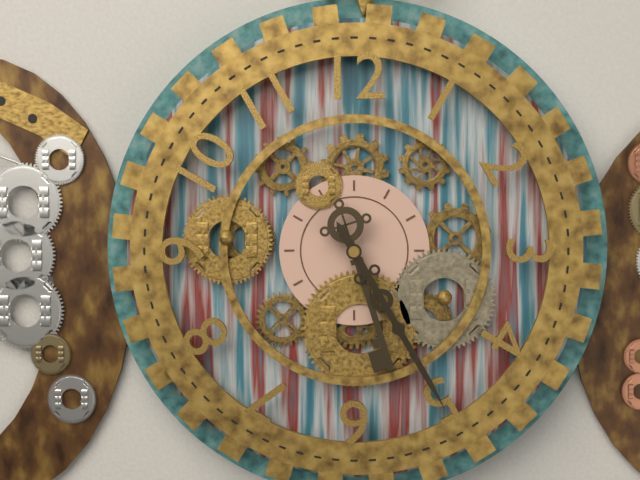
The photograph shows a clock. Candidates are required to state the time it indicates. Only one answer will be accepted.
5:25
